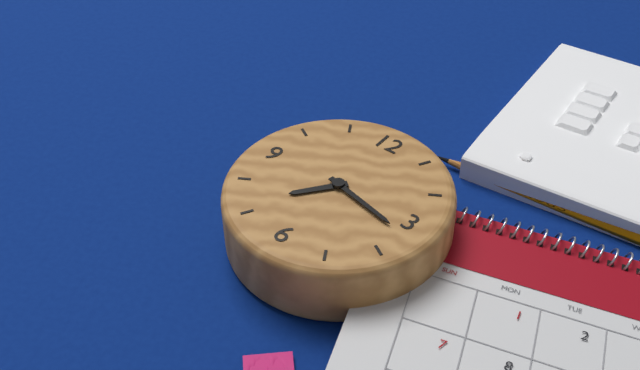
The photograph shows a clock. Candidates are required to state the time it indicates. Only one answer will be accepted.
7:17
